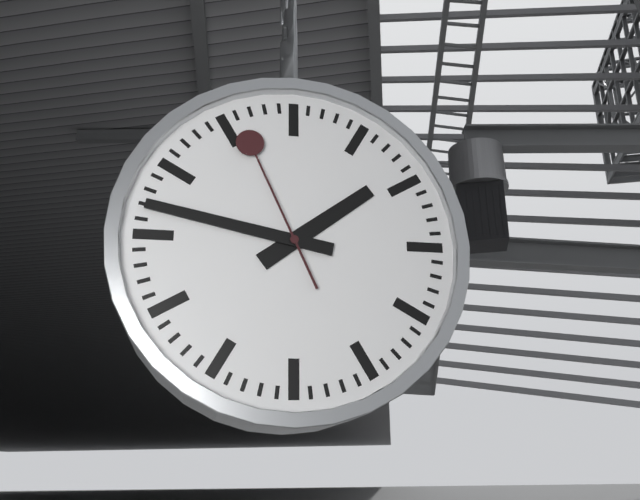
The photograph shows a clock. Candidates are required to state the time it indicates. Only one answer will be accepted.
1:47:56
